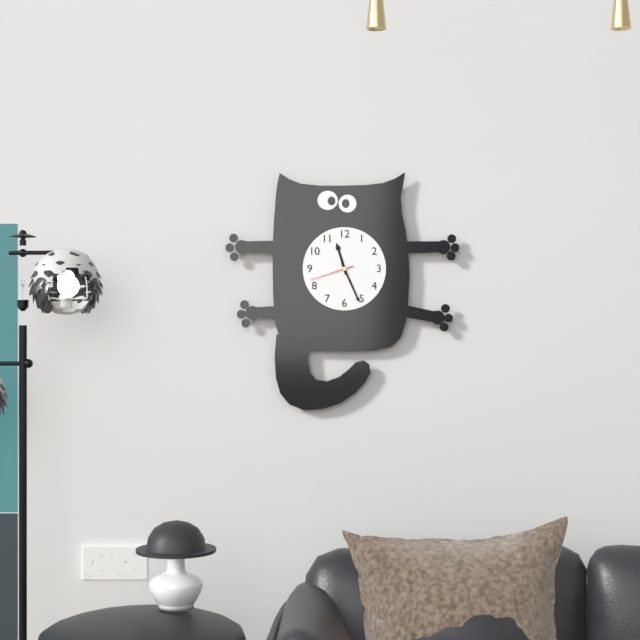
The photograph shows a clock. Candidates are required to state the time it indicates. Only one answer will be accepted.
11:26
